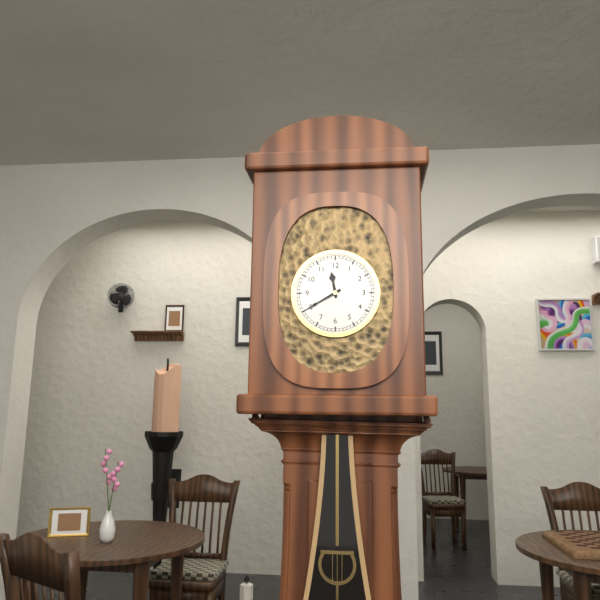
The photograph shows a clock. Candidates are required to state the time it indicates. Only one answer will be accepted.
11:40
